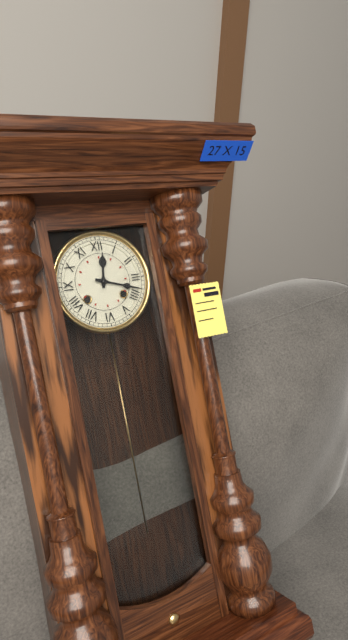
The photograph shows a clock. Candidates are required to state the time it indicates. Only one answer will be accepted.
12:18
